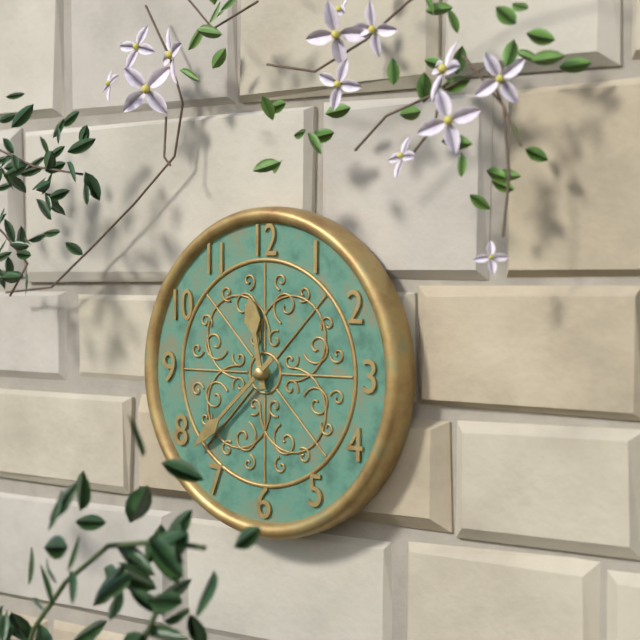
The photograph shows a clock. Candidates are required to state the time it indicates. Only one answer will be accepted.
11:38
